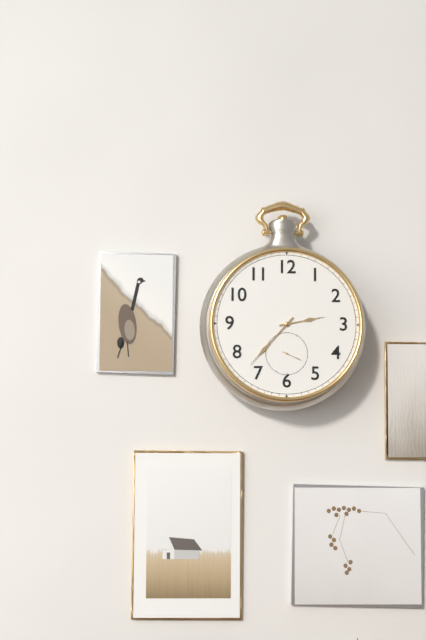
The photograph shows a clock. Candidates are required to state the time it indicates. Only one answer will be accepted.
2:37
